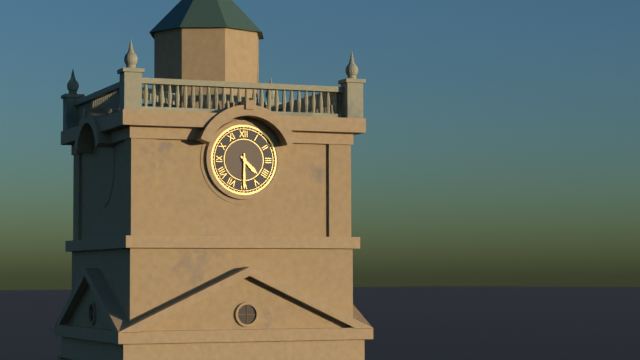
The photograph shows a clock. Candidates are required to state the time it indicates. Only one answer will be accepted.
4:30
